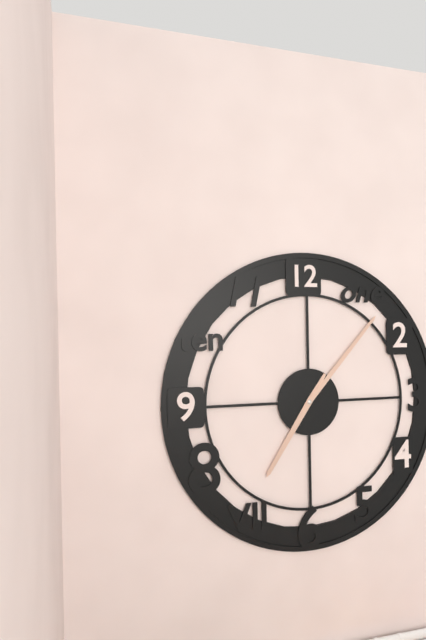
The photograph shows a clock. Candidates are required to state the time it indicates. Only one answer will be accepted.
7:07
